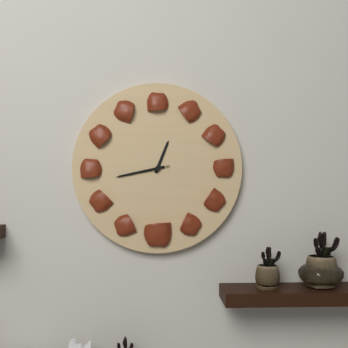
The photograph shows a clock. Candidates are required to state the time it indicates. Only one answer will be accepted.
12:43
